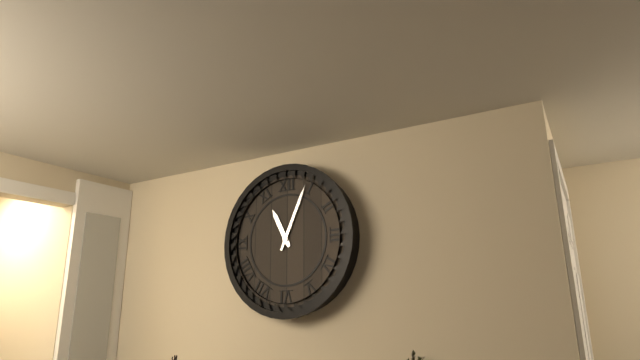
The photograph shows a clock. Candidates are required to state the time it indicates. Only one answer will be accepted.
11:04
